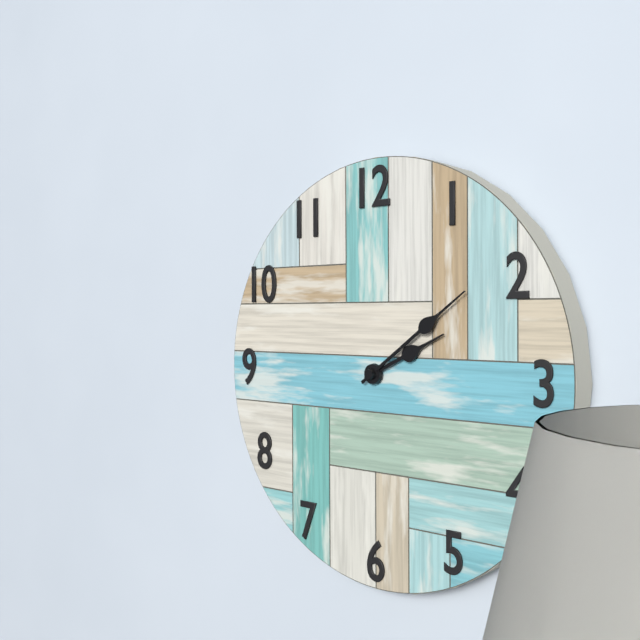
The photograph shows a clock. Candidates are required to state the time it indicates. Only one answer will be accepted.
2:09
